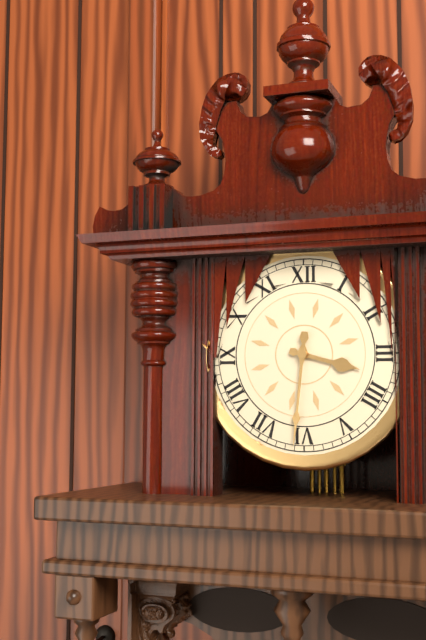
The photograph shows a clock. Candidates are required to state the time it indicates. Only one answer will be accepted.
3:31
